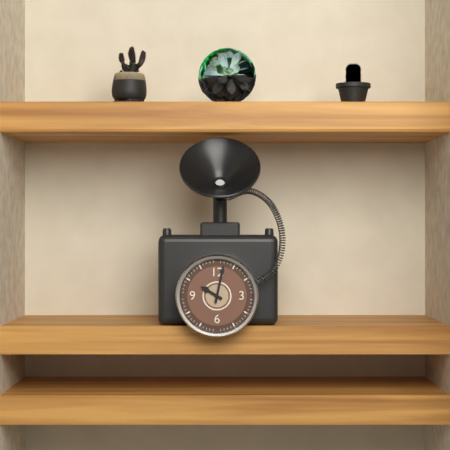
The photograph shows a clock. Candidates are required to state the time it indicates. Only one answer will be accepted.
10:02
